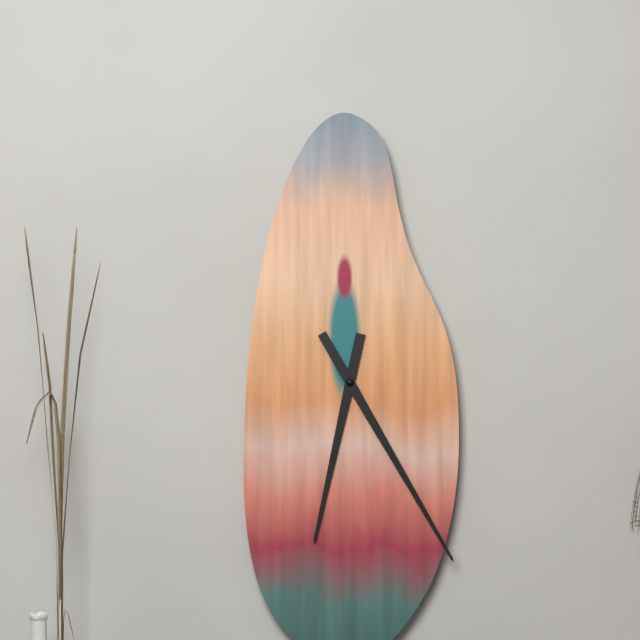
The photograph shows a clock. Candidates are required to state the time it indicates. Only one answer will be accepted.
6:25
